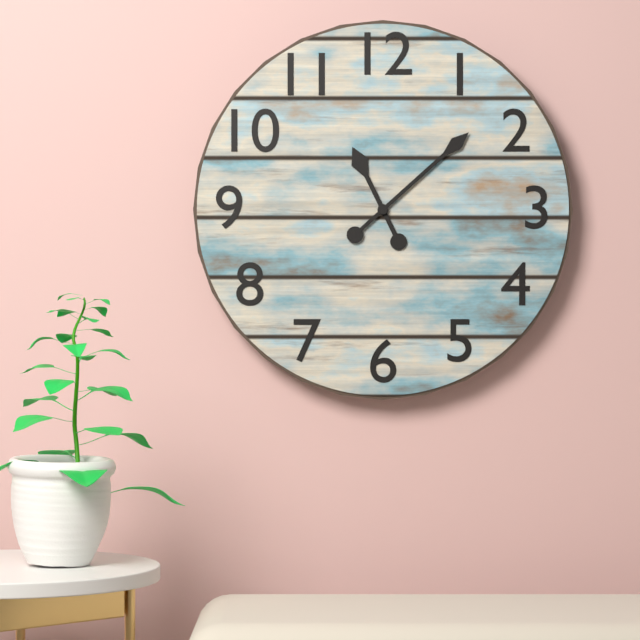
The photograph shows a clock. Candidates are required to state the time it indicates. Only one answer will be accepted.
11:08
